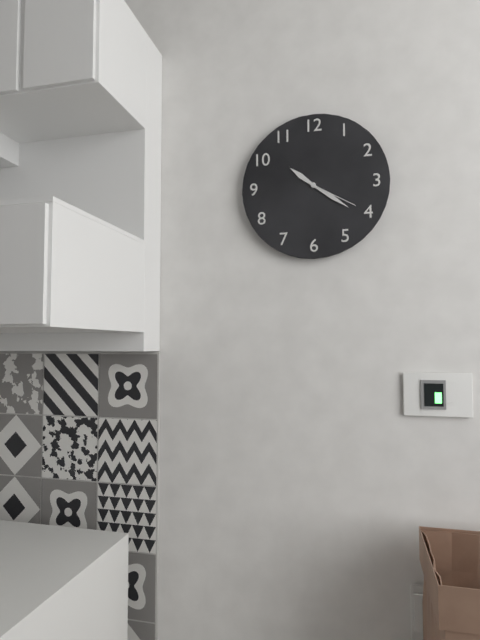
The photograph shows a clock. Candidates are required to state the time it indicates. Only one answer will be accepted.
10:21:20
